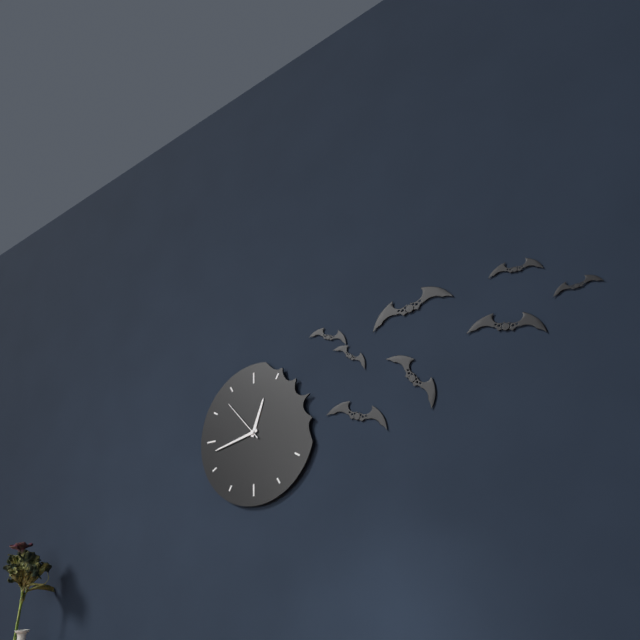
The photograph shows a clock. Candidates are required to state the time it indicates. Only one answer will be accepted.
12:43
